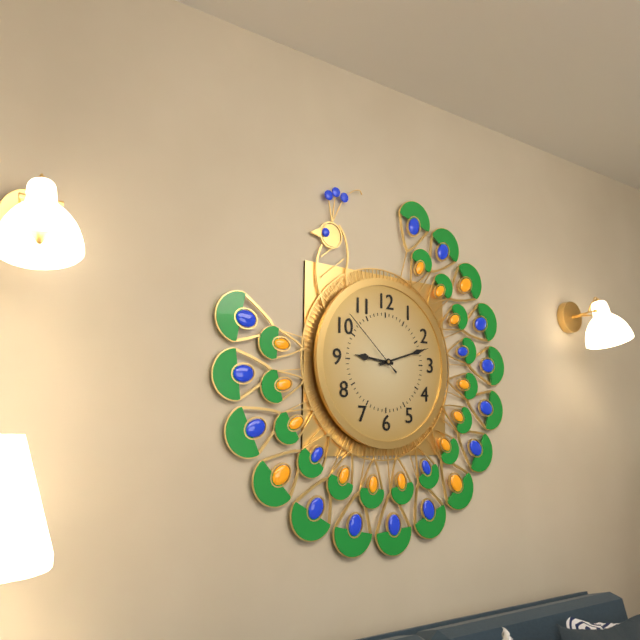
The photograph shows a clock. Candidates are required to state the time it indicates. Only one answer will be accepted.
9:12:52
